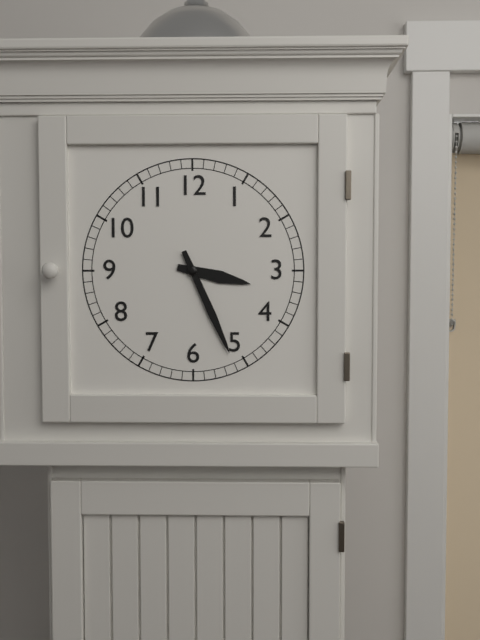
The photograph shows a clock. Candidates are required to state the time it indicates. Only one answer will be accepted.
3:26
